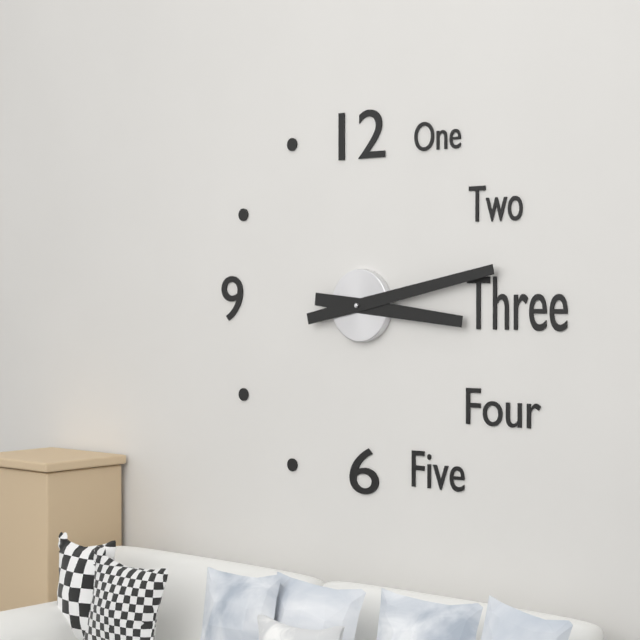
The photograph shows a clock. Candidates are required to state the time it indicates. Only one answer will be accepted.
3:13
